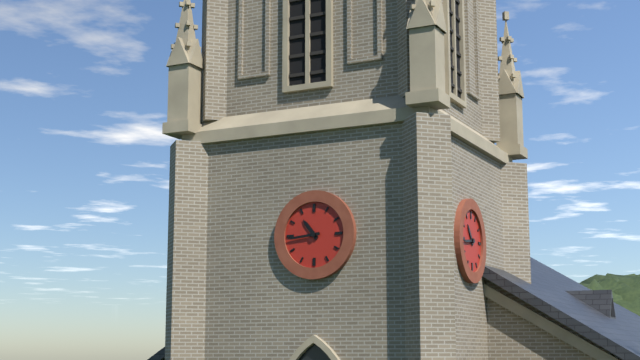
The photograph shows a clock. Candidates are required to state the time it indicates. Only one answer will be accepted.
10:44
